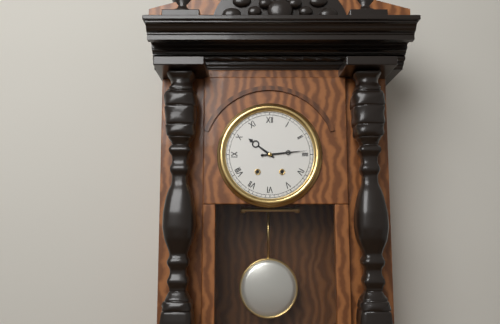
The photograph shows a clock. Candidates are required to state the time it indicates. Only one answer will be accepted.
10:14
